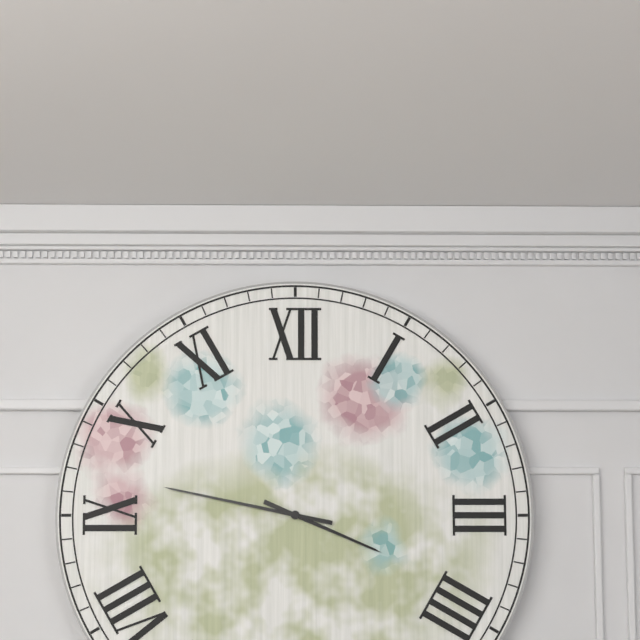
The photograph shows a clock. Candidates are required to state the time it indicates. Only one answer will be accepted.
3:47
